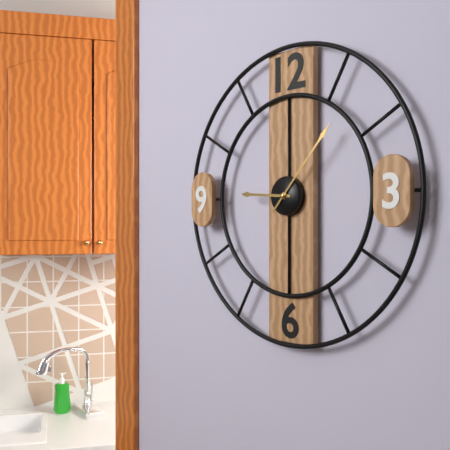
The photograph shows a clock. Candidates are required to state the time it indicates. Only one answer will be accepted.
9:07
